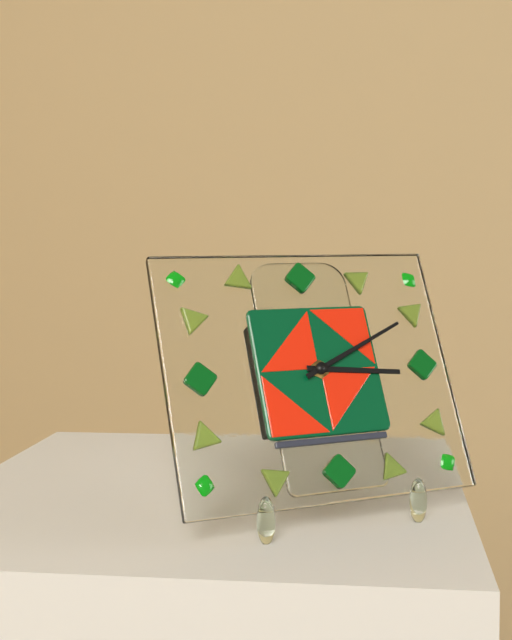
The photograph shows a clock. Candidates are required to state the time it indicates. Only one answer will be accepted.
3:11
